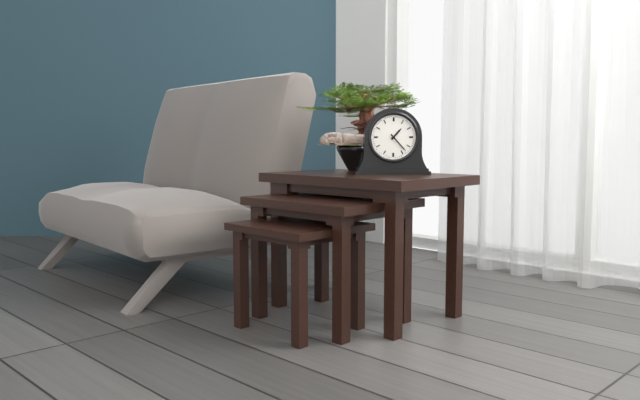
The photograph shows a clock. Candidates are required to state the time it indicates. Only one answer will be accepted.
1:23
